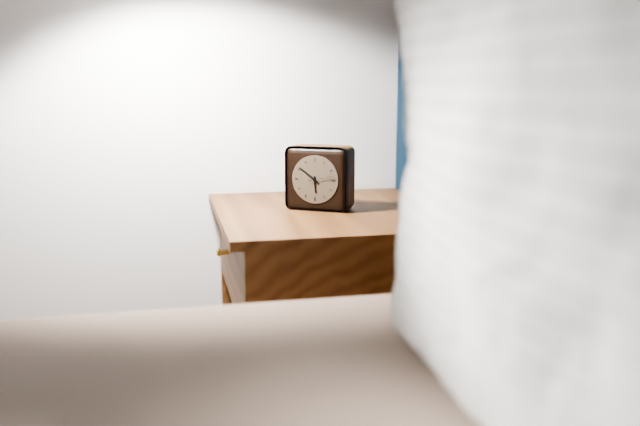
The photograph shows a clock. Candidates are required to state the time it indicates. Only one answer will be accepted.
5:51
